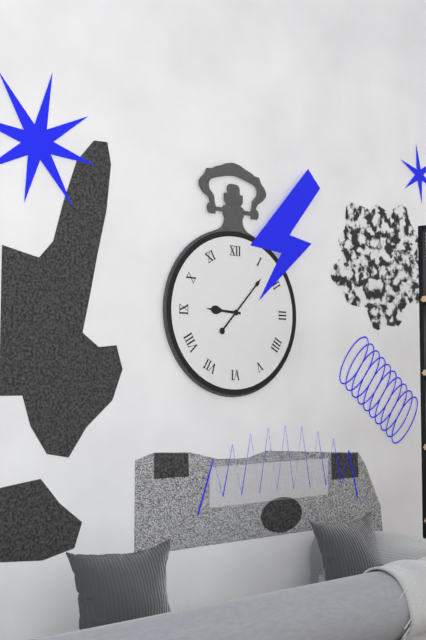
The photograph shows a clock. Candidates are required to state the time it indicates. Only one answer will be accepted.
9:07
